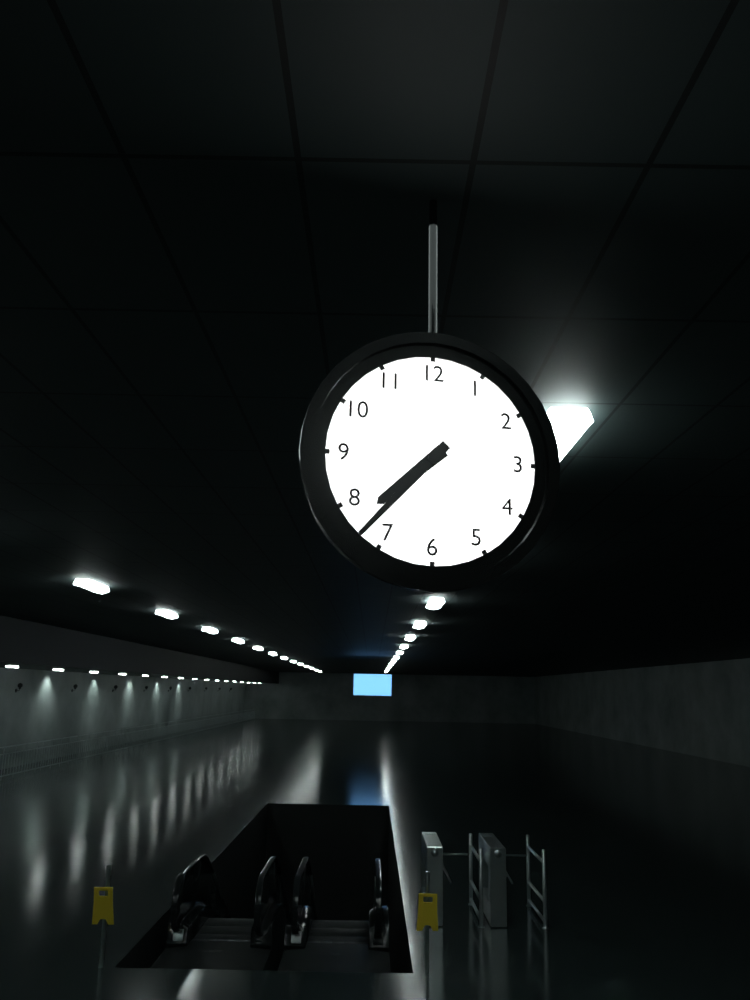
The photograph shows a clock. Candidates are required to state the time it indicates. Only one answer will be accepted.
7:37
